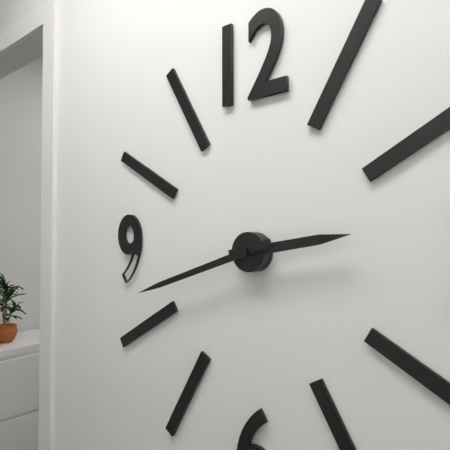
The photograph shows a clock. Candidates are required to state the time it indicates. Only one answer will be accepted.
2:42
